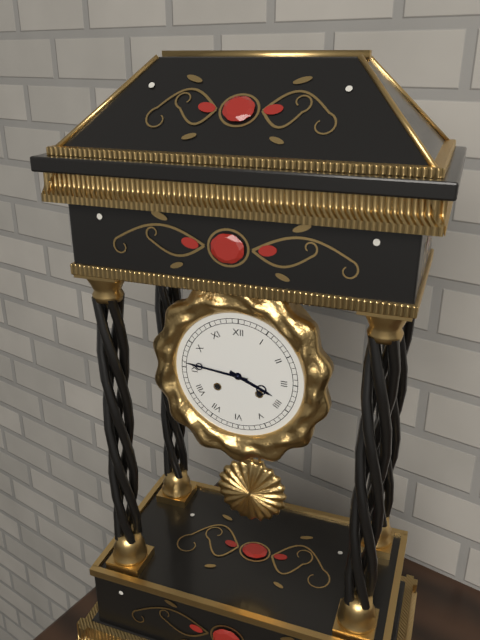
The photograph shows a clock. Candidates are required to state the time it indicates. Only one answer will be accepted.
3:46
